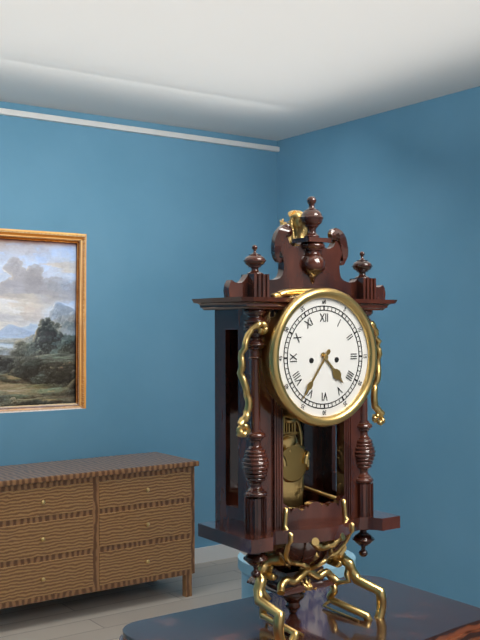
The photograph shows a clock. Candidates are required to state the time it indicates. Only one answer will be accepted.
4:36
